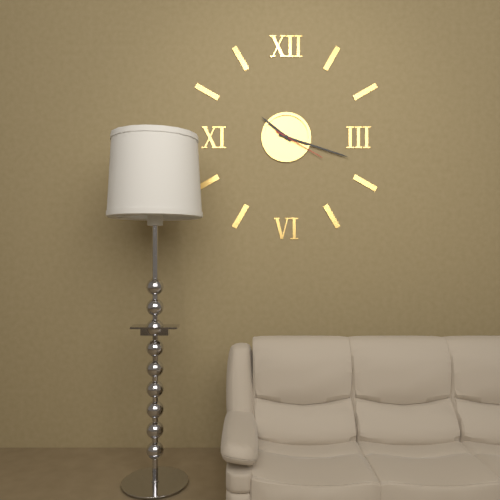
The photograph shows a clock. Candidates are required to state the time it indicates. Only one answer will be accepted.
10:18:20
